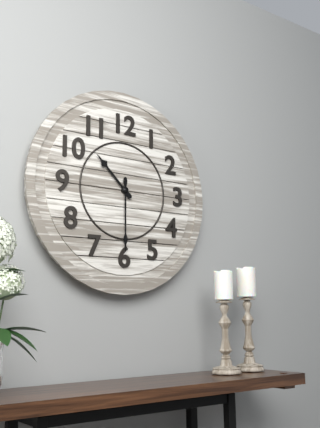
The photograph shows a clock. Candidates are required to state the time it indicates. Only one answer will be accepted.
10:30
